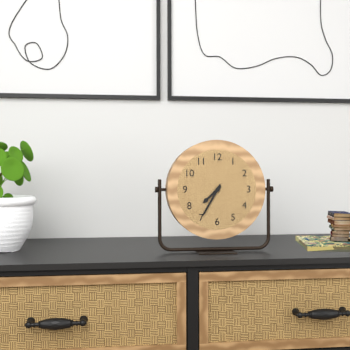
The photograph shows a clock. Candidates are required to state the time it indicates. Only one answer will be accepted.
7:35
